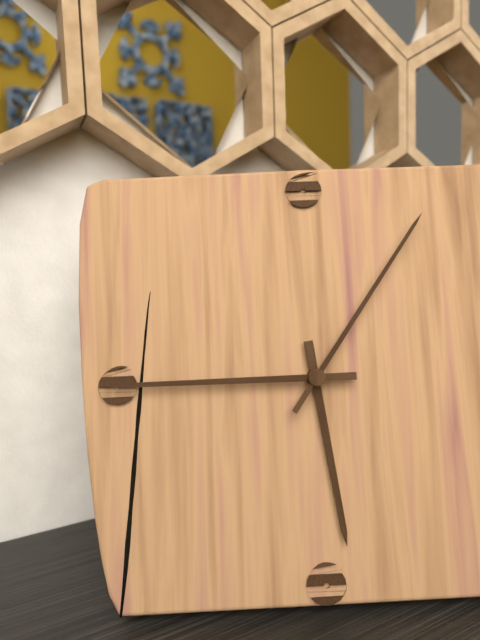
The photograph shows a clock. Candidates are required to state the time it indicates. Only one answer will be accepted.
5:45:06
